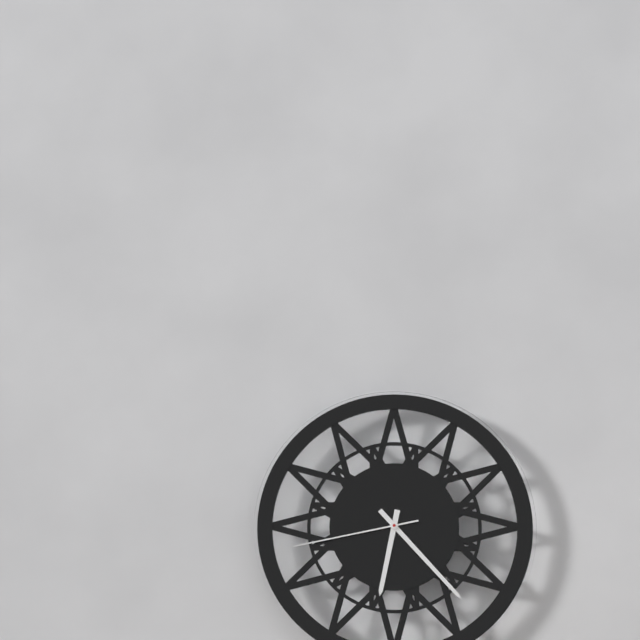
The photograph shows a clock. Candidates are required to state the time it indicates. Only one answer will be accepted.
6:23:43
